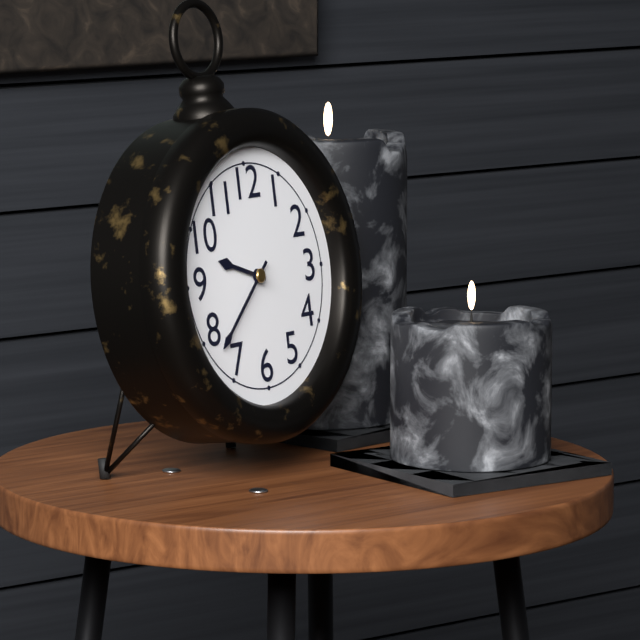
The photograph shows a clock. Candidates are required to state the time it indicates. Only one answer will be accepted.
9:38
